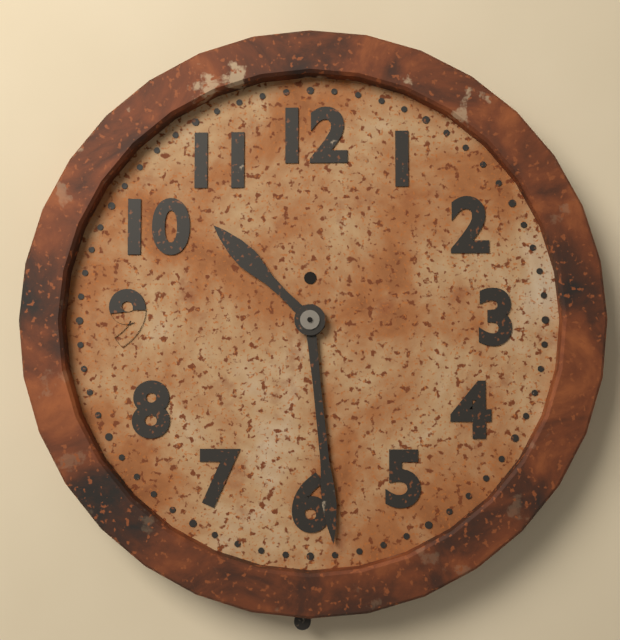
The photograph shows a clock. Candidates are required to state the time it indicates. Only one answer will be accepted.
10:29
